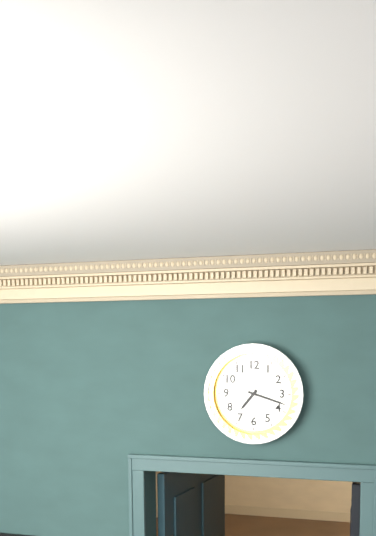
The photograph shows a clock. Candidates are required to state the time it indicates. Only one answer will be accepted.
7:18
